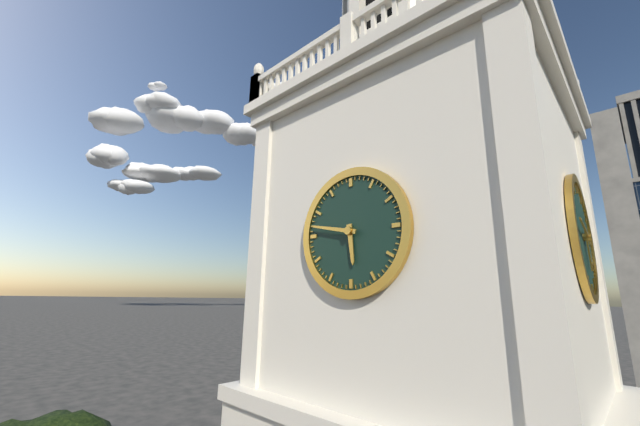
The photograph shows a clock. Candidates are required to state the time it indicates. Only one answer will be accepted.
5:47
